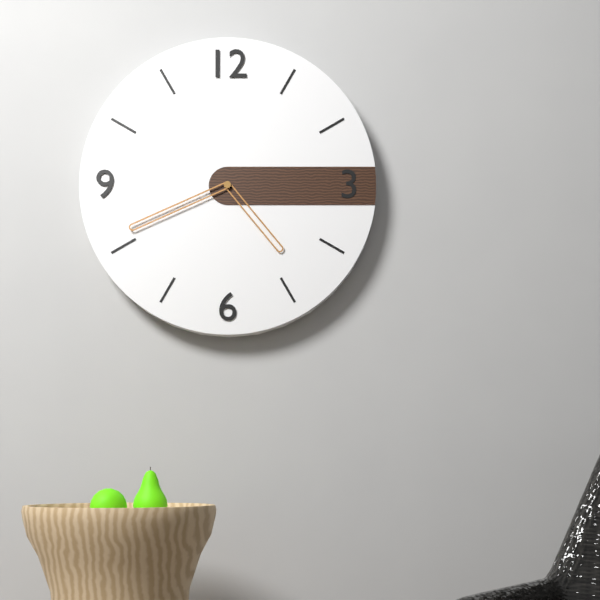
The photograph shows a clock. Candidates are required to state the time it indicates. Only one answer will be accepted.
4:41
